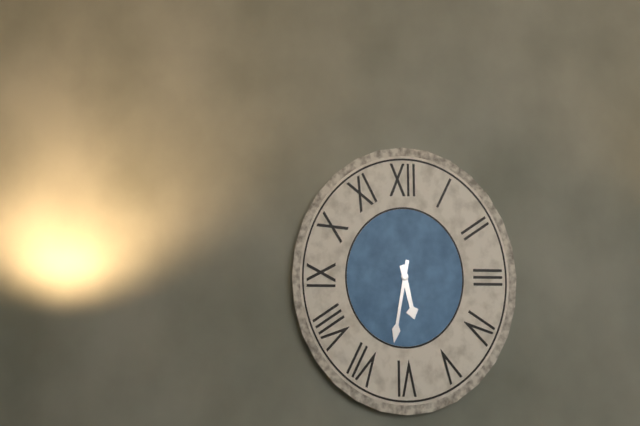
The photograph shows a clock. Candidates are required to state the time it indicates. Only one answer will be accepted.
5:32
